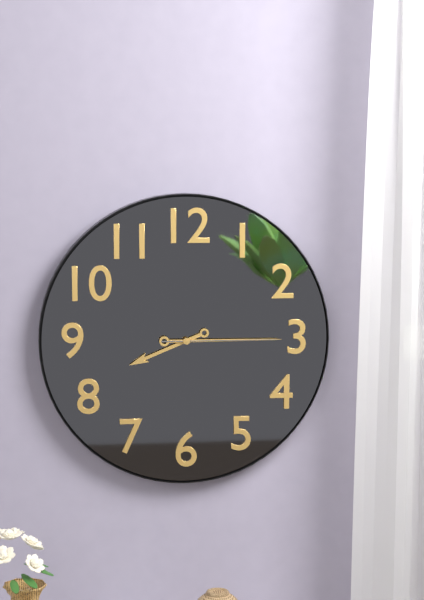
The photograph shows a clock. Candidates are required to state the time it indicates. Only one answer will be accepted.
8:15:15
